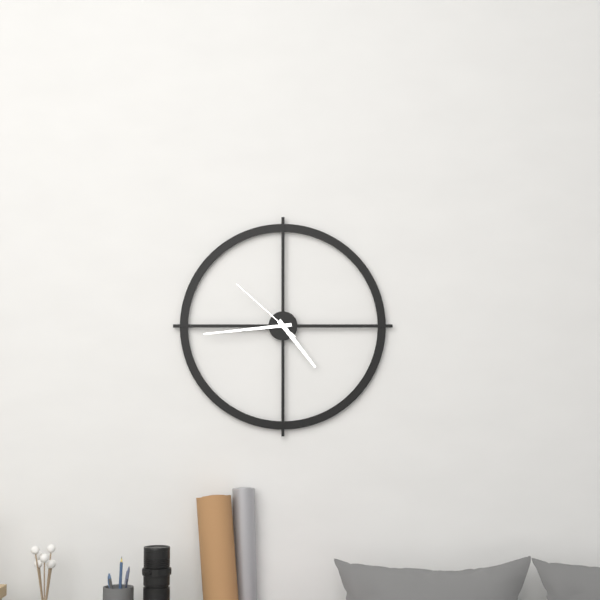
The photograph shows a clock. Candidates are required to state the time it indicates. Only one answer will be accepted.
4:44:52
